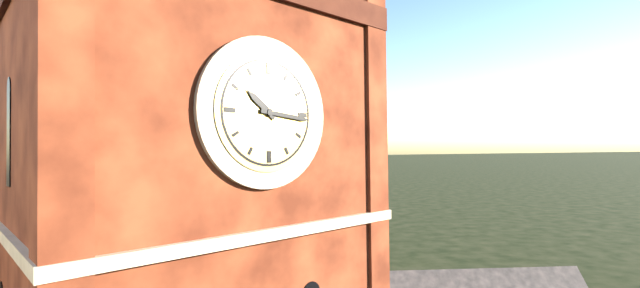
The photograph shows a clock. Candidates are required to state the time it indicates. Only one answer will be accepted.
10:16
